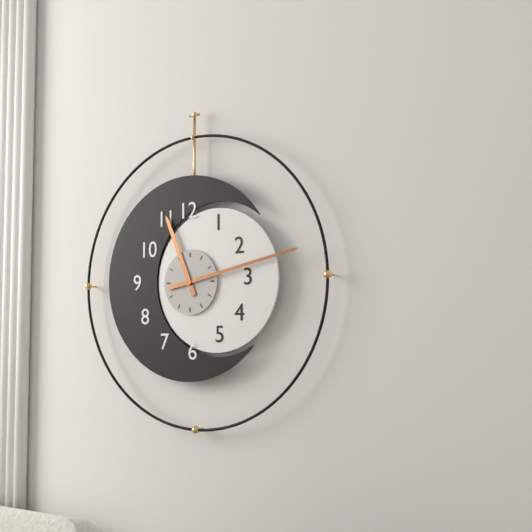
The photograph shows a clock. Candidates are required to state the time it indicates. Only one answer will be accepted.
11:13
